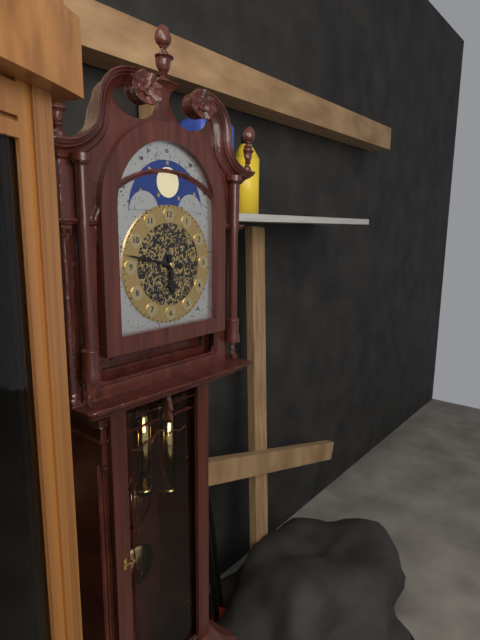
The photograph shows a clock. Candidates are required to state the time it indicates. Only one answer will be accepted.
5:47
